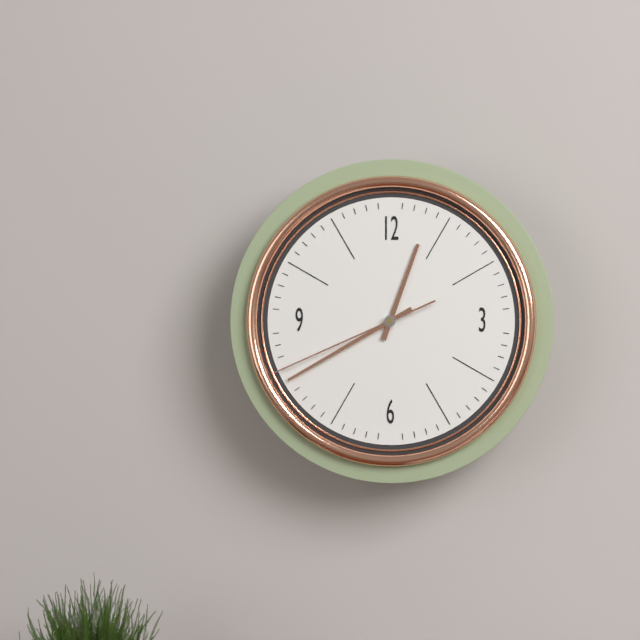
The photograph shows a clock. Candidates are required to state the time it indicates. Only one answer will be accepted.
12:40:41
